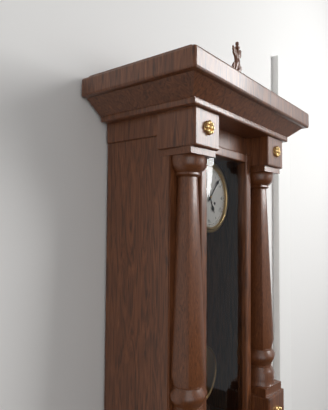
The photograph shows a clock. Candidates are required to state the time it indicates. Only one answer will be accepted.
5:07
